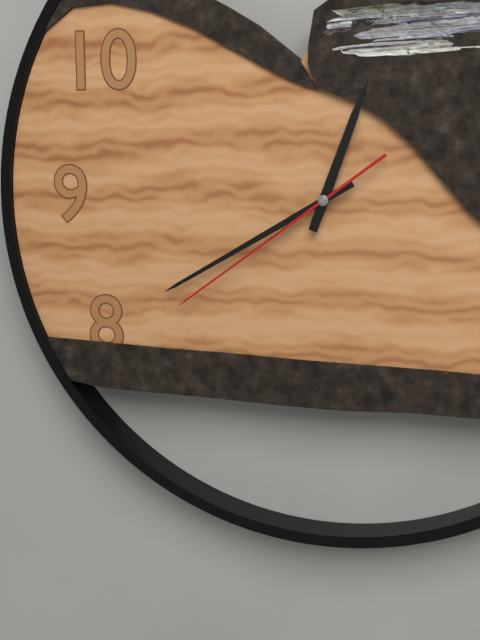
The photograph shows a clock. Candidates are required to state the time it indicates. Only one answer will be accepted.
12:40:39
